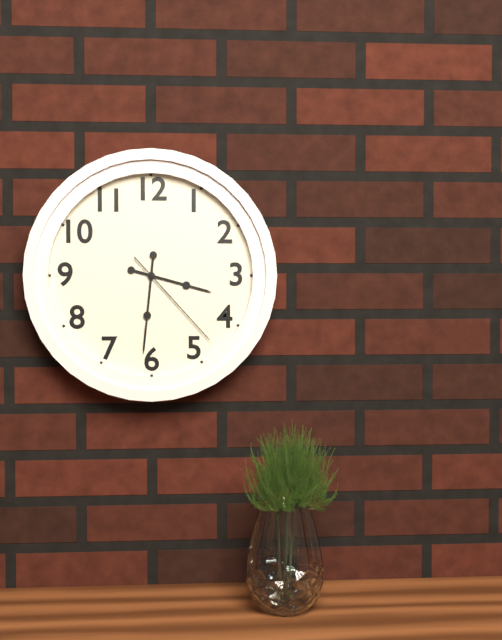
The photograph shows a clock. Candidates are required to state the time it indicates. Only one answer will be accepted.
3:31:23
